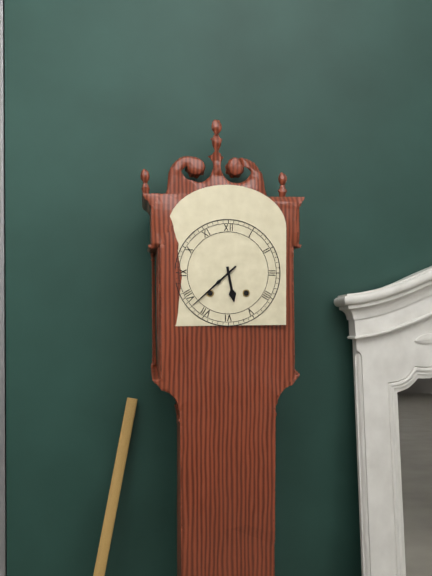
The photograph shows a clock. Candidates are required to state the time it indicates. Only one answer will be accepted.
5:38
